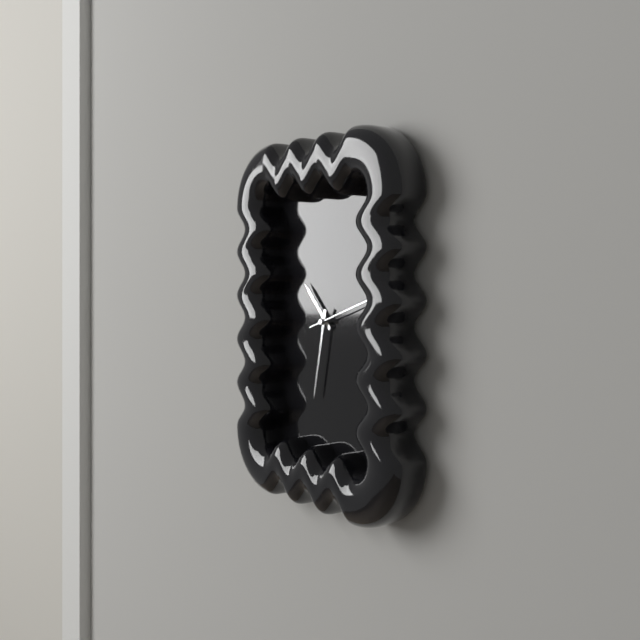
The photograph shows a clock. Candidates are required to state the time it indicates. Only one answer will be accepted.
10:32:12
